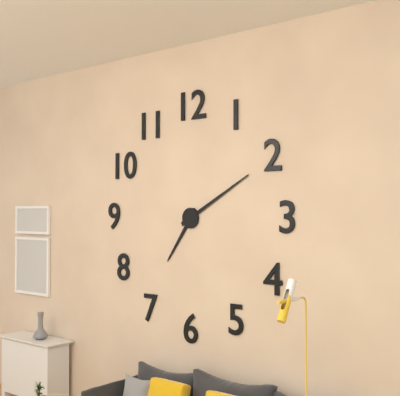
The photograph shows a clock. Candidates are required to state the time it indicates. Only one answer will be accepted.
7:10
